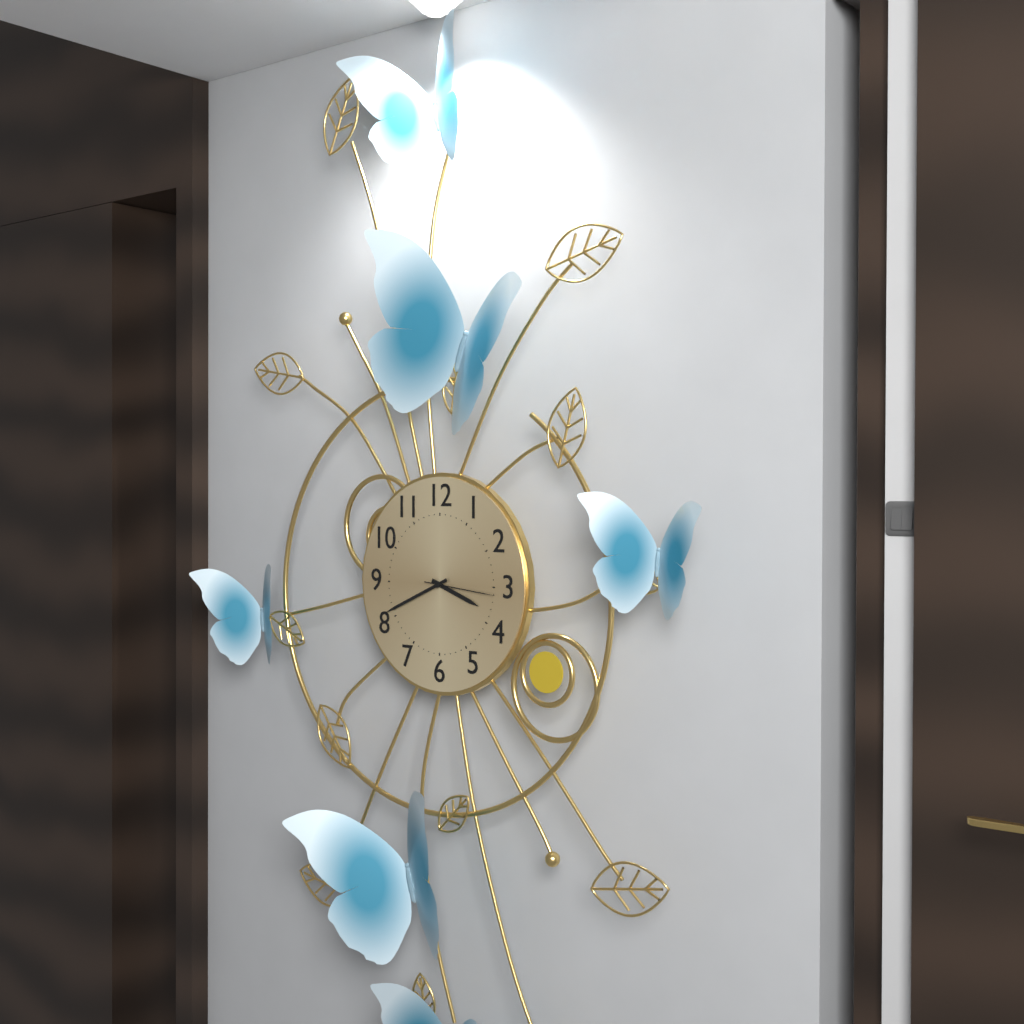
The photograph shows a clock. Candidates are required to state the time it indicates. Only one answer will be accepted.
3:41:16
